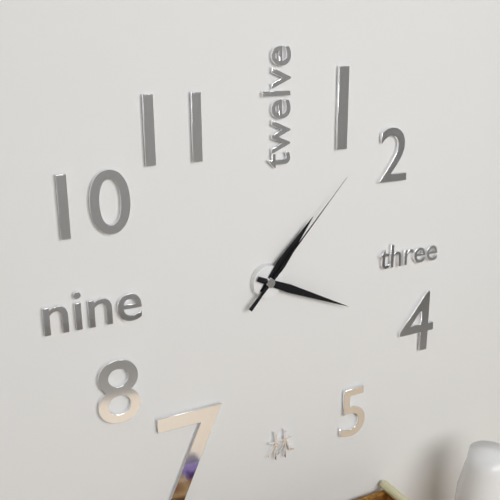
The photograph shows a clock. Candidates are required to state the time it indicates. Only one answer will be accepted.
1:19:07
